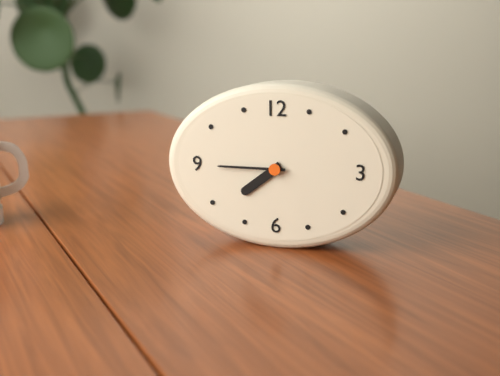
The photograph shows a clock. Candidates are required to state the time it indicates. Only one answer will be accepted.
7:45
